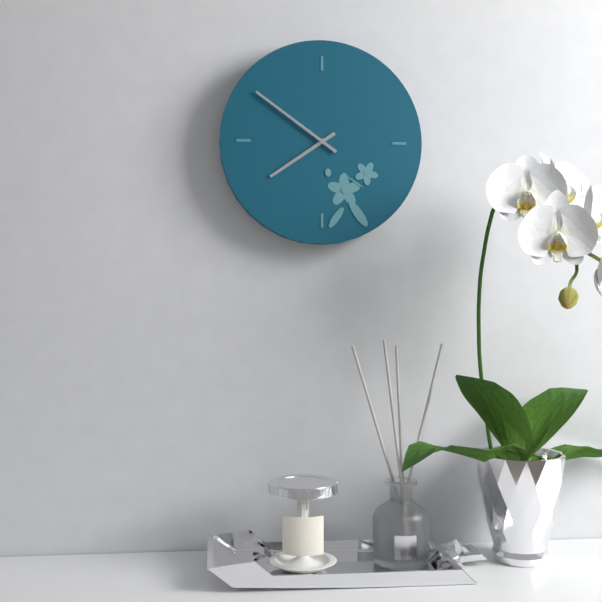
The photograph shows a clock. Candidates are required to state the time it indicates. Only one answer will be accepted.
7:51
